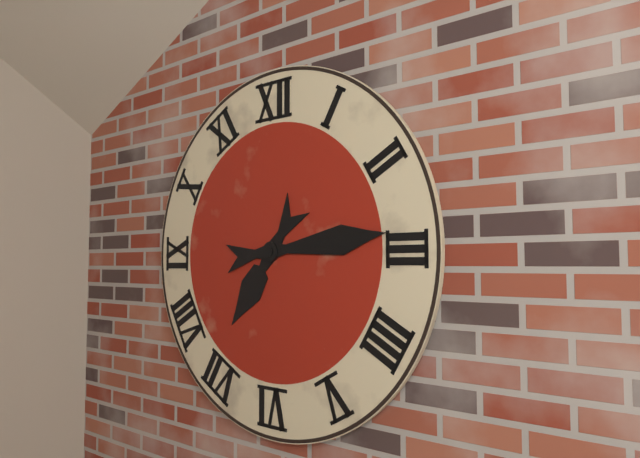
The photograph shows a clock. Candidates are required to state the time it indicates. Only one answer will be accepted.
7:14
